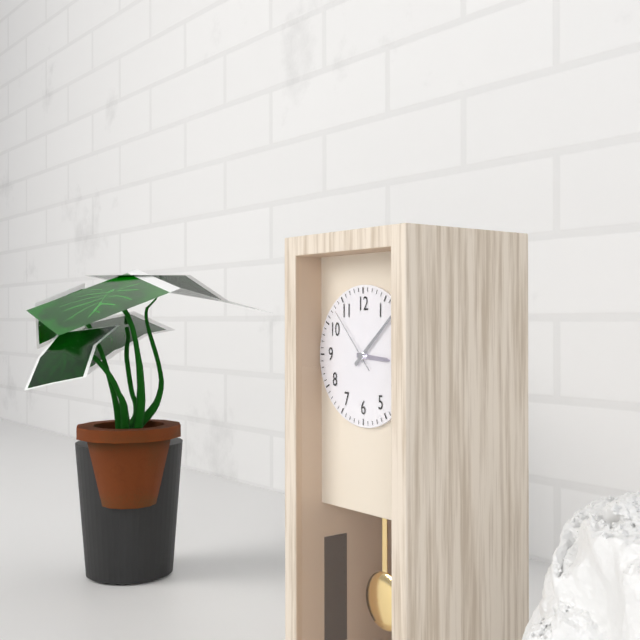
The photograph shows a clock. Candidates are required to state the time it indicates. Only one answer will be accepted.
3:08:53
